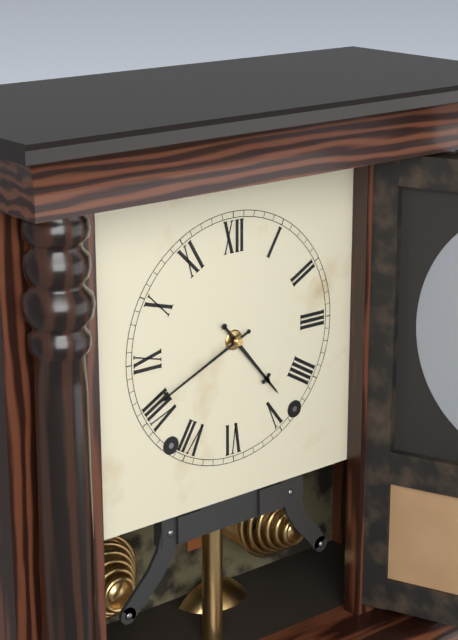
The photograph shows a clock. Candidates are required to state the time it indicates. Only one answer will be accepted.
4:41
